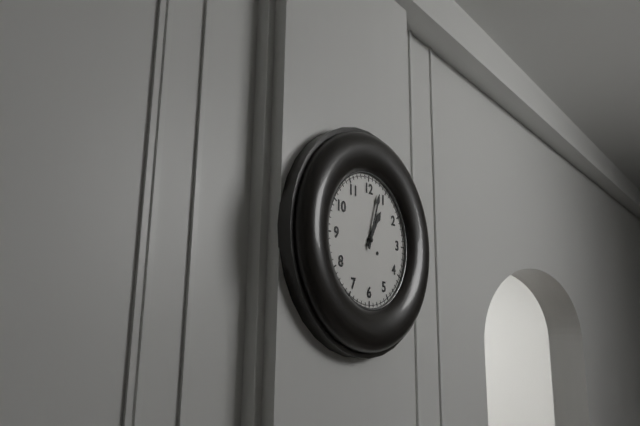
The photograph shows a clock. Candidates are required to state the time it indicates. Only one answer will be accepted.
1:03
